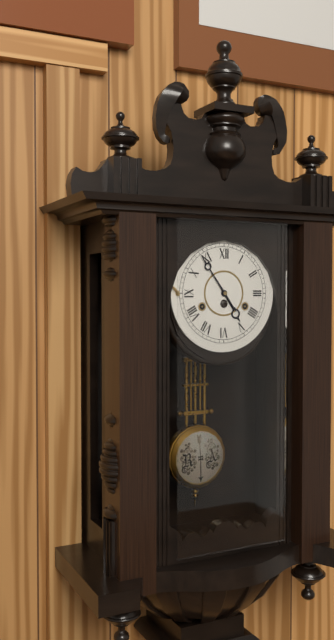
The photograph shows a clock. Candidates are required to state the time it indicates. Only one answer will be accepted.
4:54
